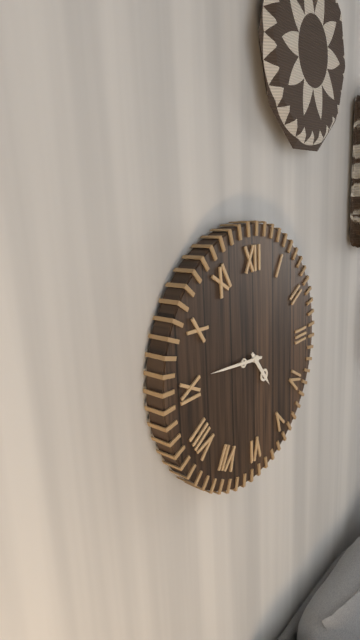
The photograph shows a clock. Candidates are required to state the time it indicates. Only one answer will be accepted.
4:46
